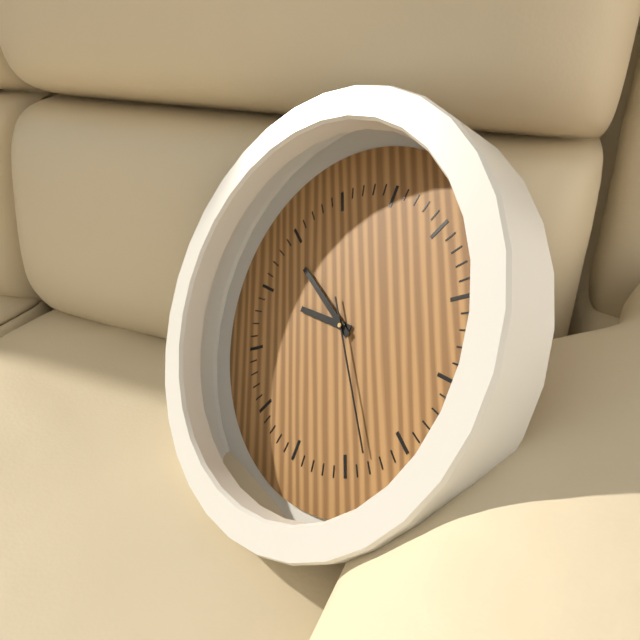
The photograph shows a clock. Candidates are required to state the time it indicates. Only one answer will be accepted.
9:54:28
